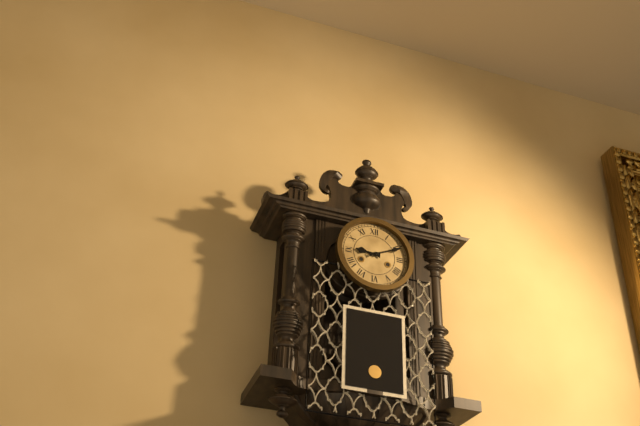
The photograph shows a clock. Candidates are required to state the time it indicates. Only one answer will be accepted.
9:11
